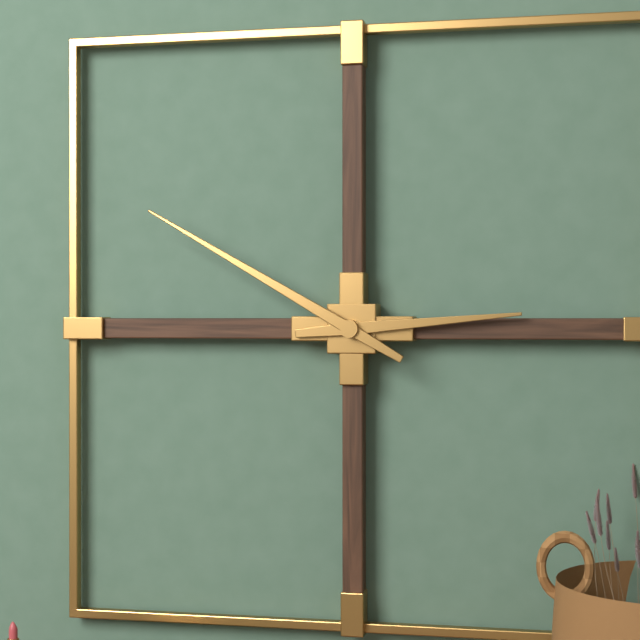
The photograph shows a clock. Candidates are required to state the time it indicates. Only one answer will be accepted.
2:50
